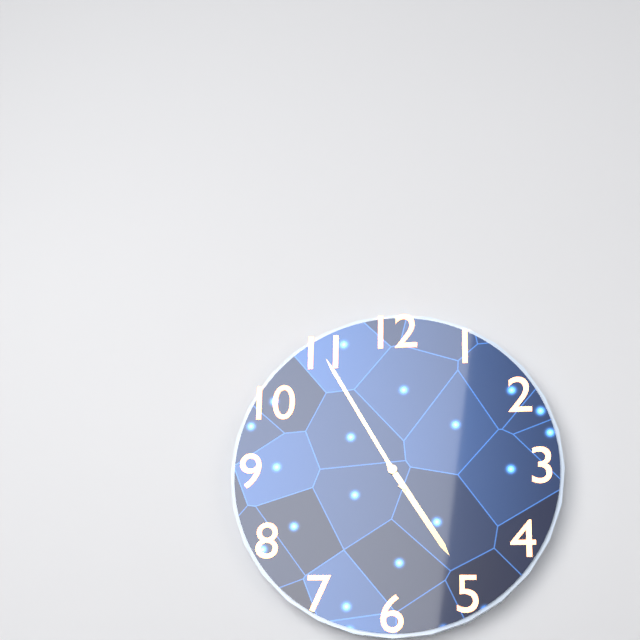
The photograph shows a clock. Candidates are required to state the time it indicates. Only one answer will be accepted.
4:55
